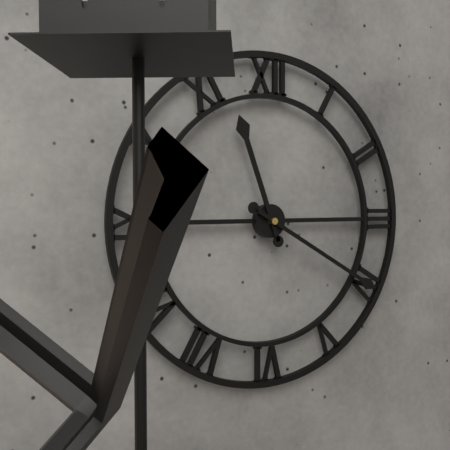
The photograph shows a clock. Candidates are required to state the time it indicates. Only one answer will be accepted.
11:20
